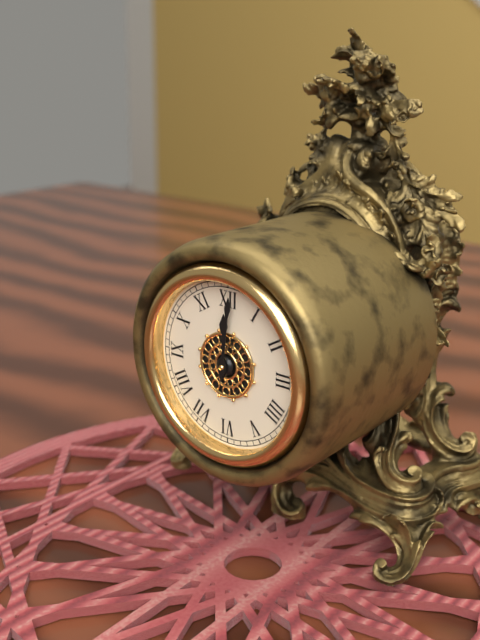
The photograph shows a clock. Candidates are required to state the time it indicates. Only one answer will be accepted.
12:01
